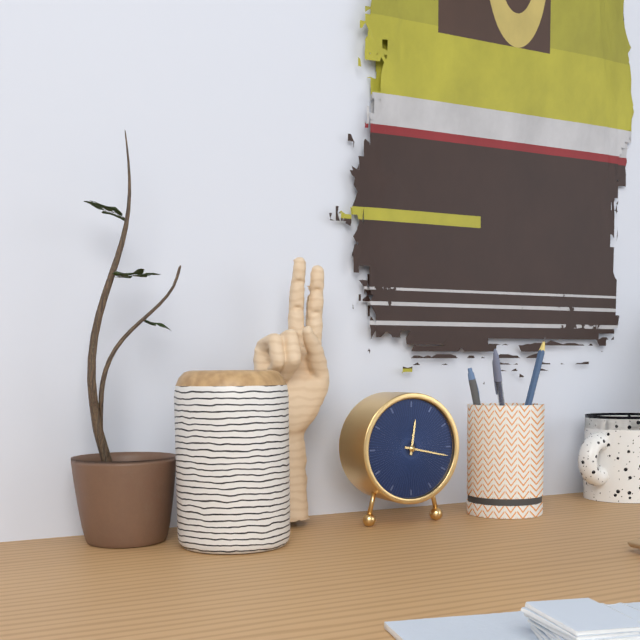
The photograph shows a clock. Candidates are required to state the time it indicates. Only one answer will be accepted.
12:17
